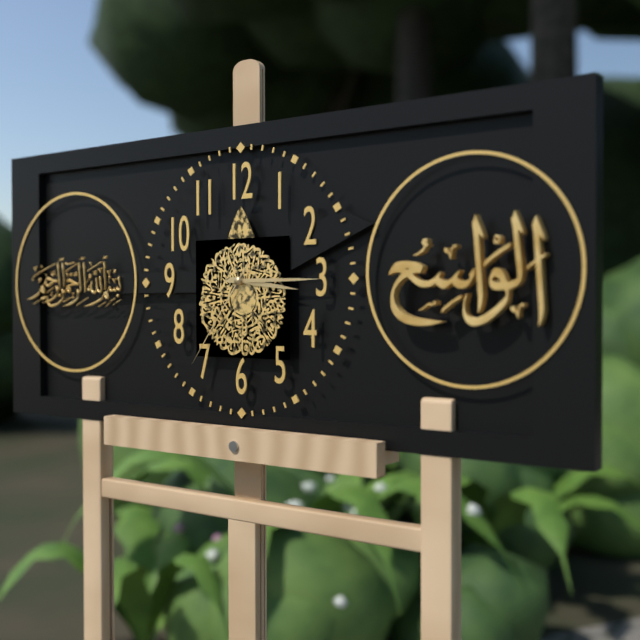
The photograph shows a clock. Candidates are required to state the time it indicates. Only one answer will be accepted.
3:15:36
